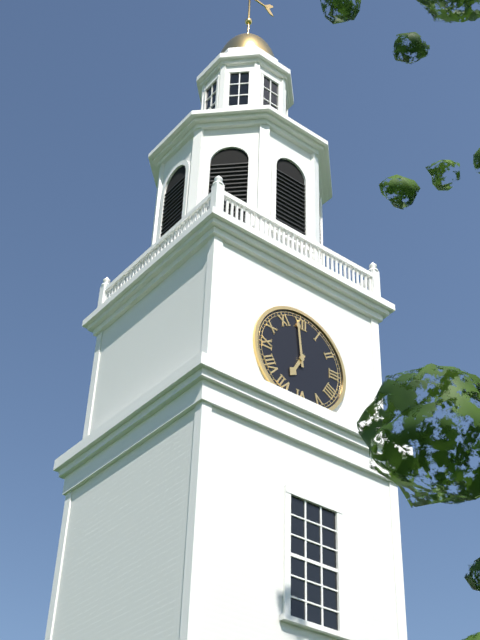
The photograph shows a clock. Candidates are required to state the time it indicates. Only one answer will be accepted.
6:59
